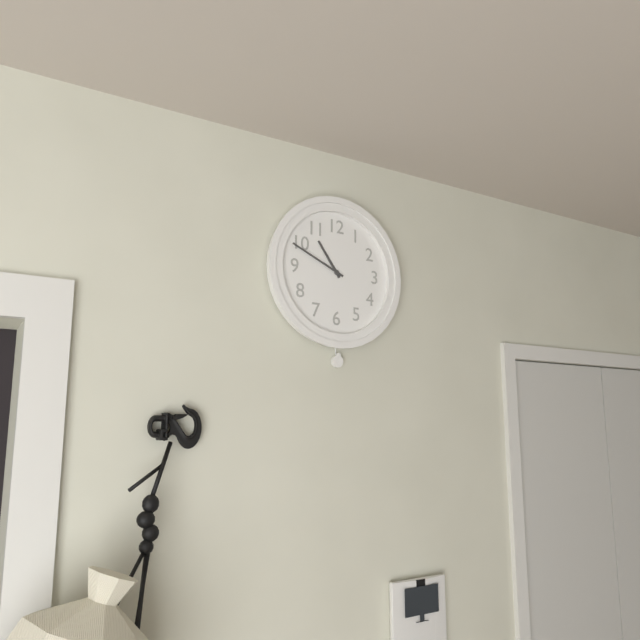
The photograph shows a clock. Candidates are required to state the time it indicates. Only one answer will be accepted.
10:49
